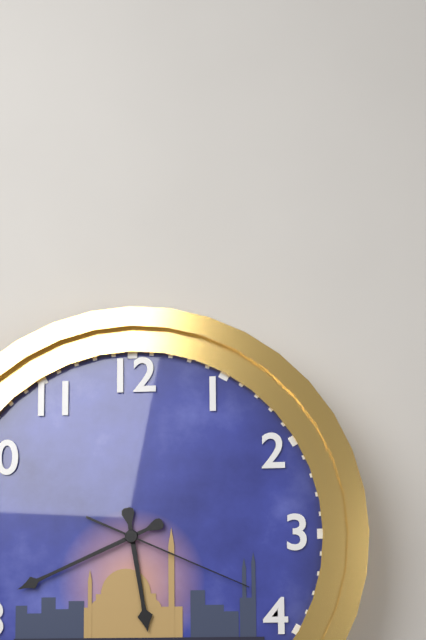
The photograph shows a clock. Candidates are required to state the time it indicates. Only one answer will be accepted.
5:41:19
